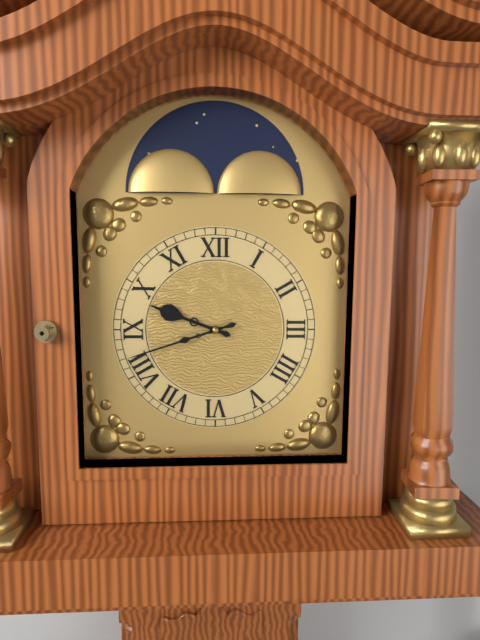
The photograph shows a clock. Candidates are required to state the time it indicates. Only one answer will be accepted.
9:42
